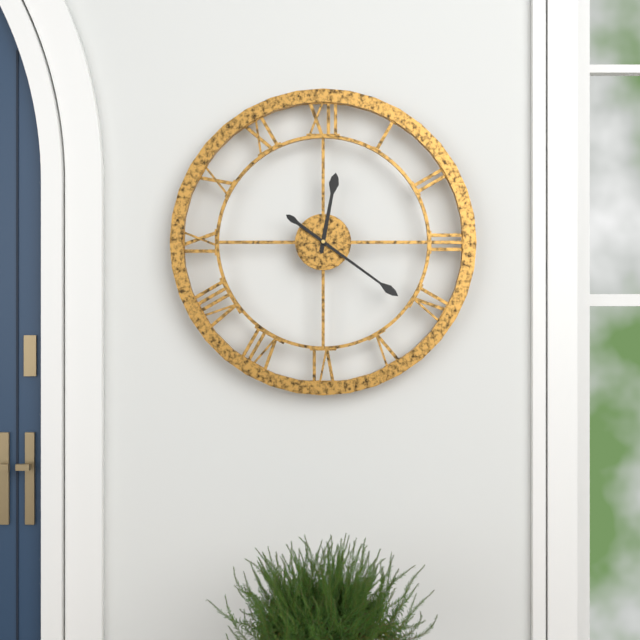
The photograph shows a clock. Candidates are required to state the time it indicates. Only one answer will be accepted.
12:21
